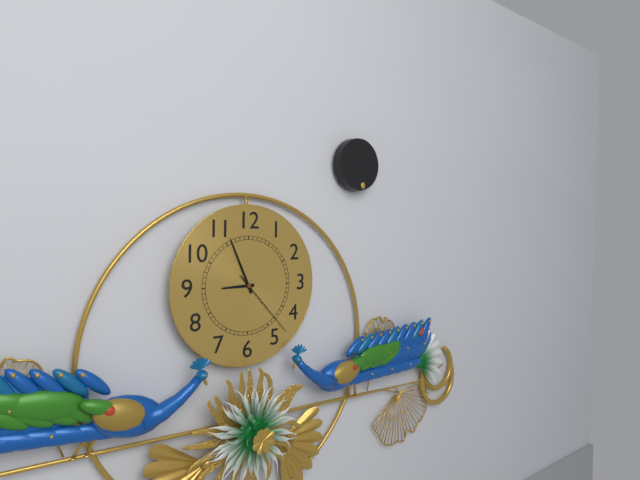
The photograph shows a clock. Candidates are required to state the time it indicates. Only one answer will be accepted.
8:56:23
